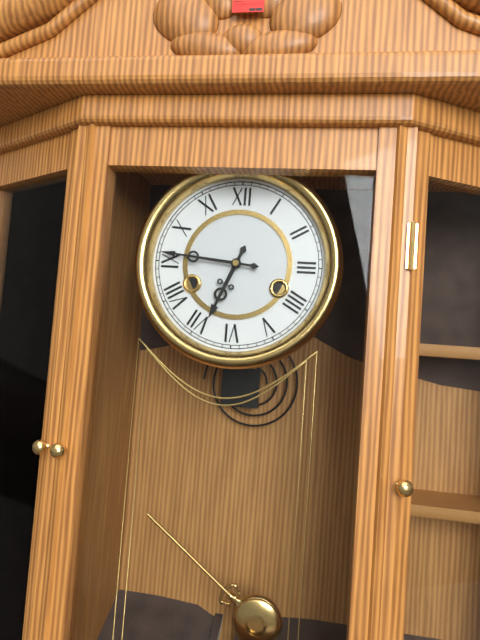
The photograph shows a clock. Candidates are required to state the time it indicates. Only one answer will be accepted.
6:46
